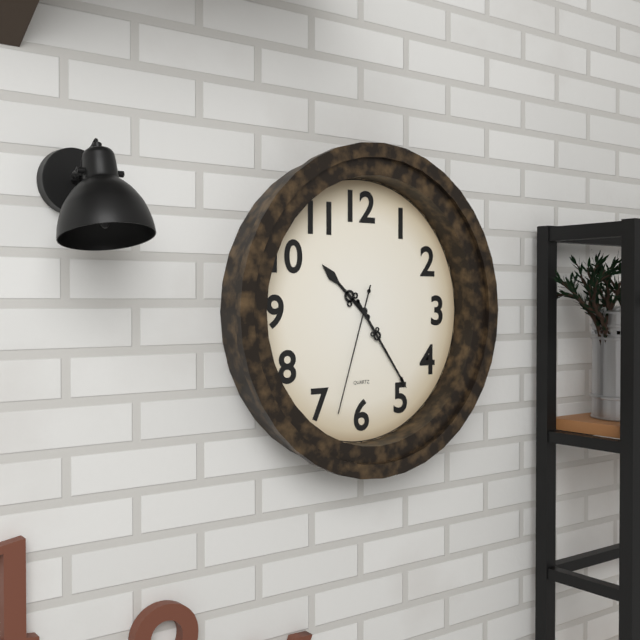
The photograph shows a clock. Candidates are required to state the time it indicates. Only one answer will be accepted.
10:24:33
